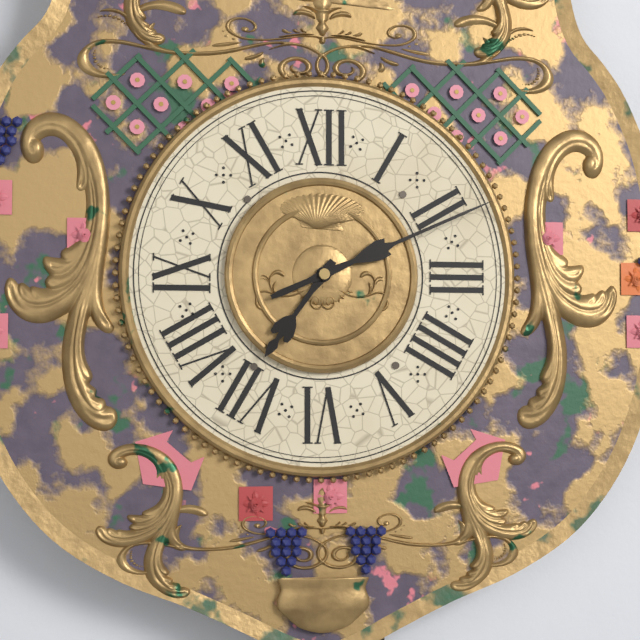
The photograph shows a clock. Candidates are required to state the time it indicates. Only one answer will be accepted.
7:11
